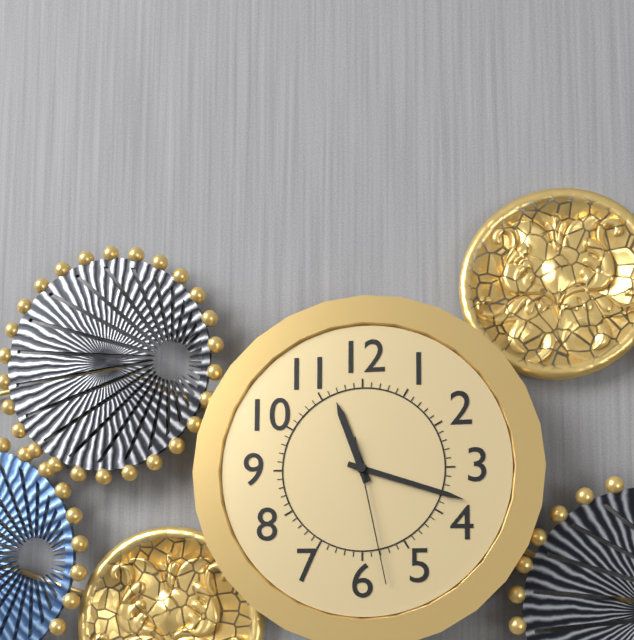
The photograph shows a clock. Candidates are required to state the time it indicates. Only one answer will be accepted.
11:18:28
